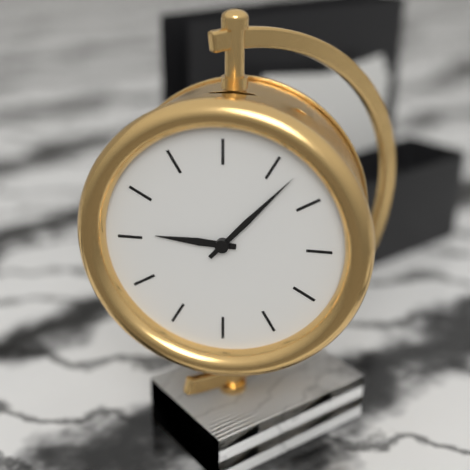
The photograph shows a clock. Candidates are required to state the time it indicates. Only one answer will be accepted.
9:07
